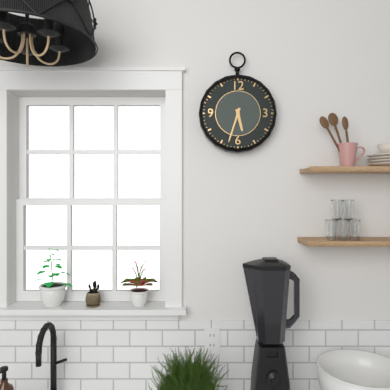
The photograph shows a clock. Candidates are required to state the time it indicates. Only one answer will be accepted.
5:33
